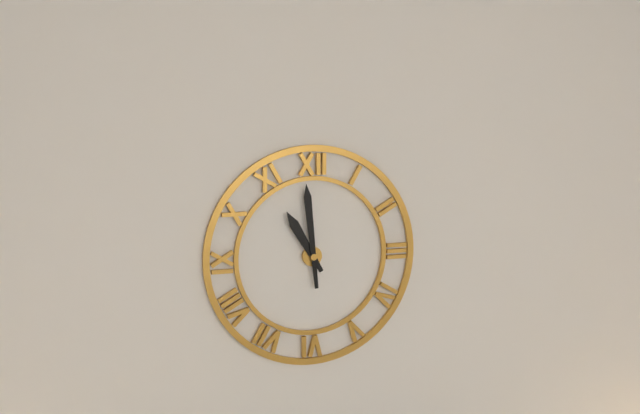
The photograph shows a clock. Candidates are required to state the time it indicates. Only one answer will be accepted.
10:59
